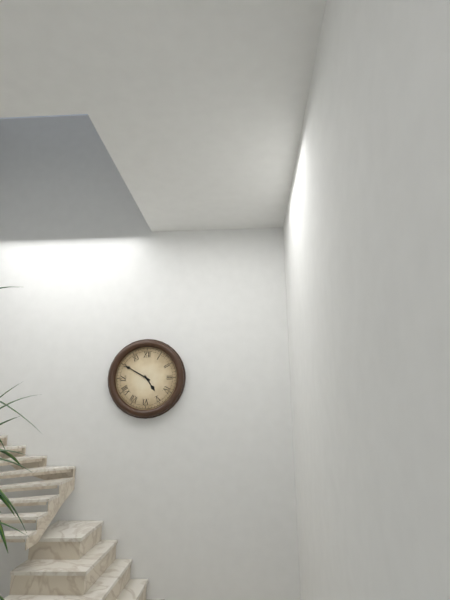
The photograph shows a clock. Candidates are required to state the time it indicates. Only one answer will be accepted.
4:50
